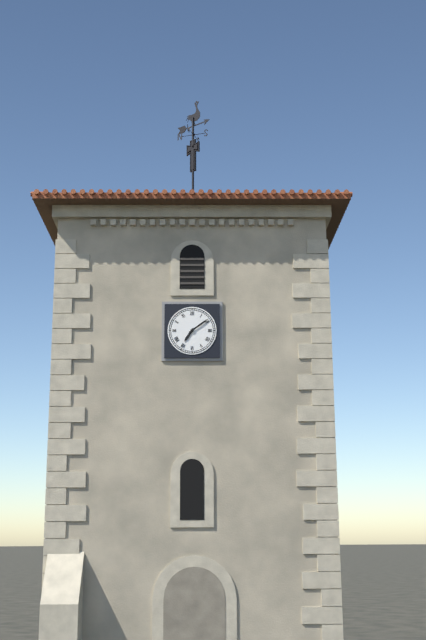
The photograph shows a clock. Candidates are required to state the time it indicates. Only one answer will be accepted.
7:09
